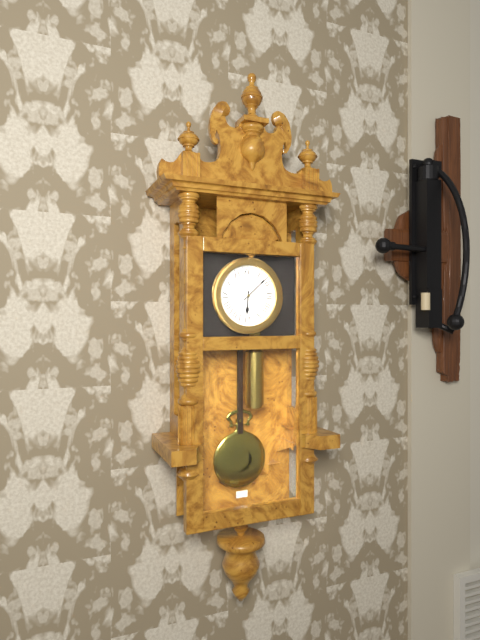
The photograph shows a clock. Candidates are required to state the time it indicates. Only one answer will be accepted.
6:08
